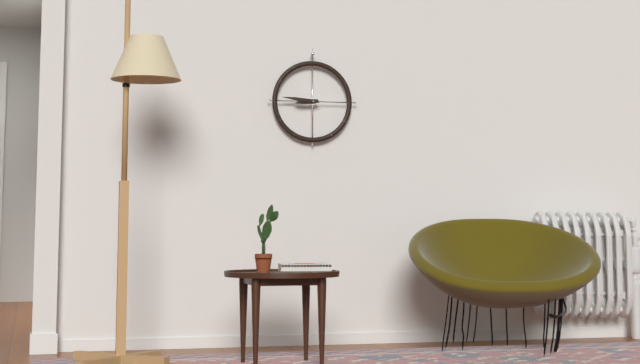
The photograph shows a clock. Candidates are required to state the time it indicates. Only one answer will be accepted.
8:46
